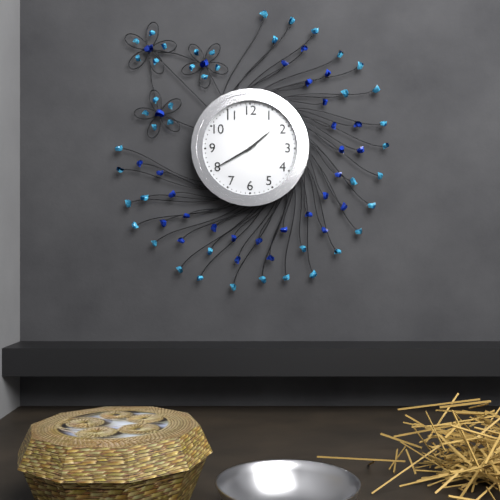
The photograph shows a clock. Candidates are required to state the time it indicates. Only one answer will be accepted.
1:40
